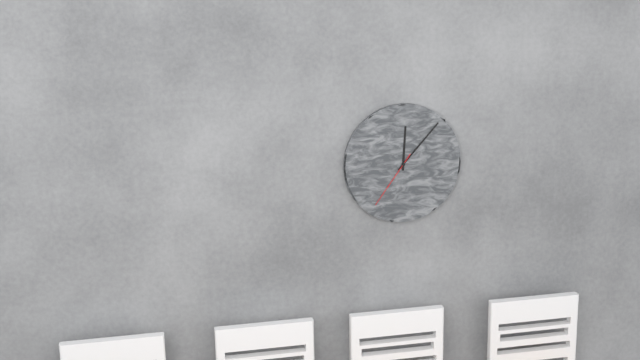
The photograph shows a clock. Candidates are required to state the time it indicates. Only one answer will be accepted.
12:07:36
